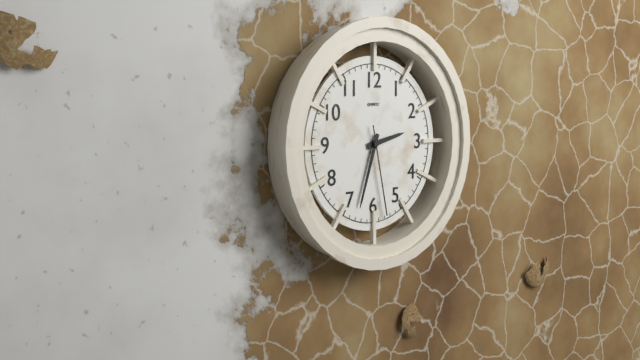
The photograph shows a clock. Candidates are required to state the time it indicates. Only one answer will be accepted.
2:33:28
